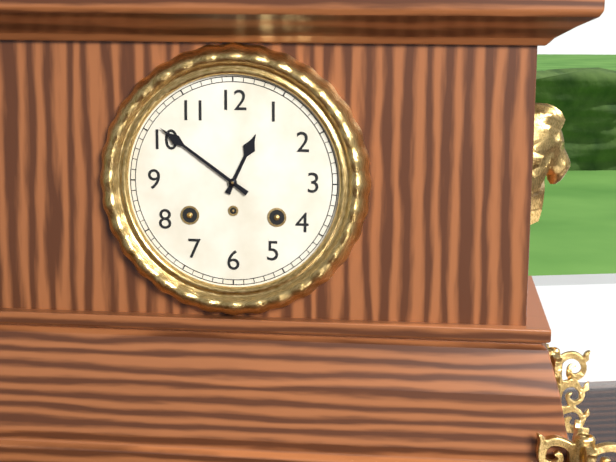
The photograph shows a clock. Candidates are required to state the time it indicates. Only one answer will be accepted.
12:51
